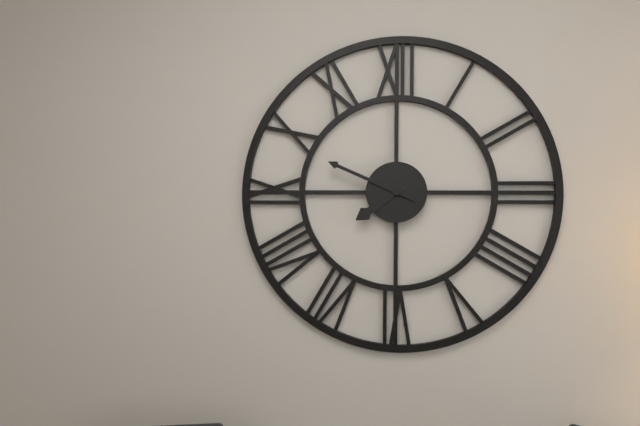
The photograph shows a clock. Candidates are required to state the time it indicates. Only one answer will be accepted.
7:49
